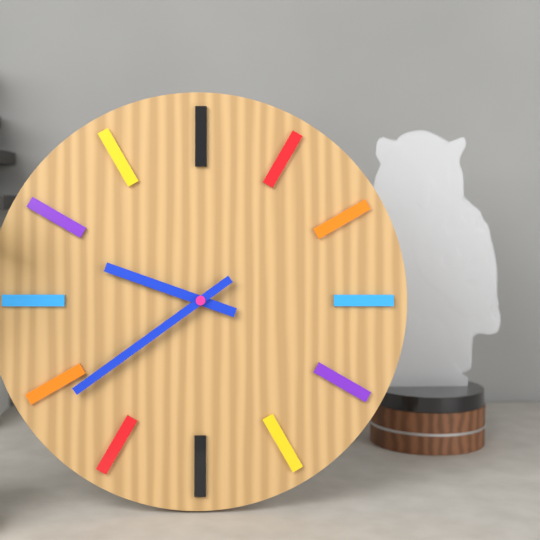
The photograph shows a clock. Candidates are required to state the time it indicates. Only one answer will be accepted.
9:39
